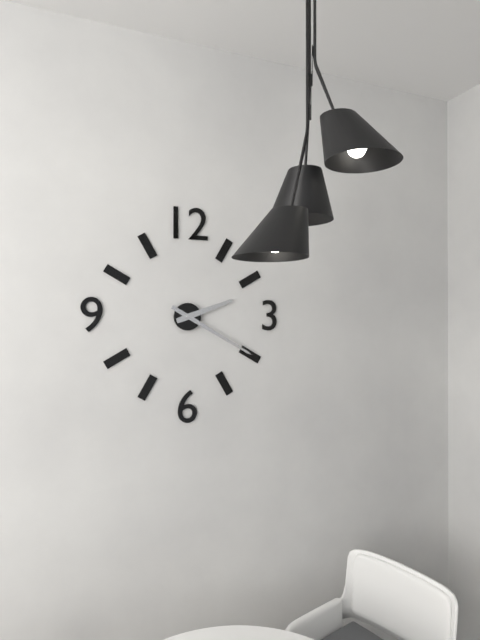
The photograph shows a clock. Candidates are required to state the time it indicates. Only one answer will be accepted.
2:20
